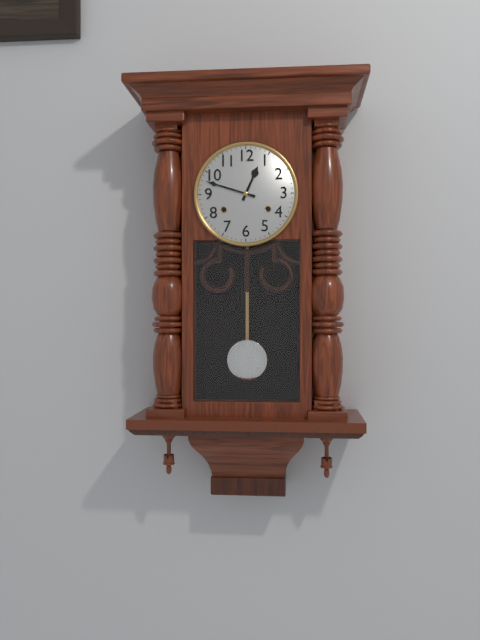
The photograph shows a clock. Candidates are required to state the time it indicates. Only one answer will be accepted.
12:48
